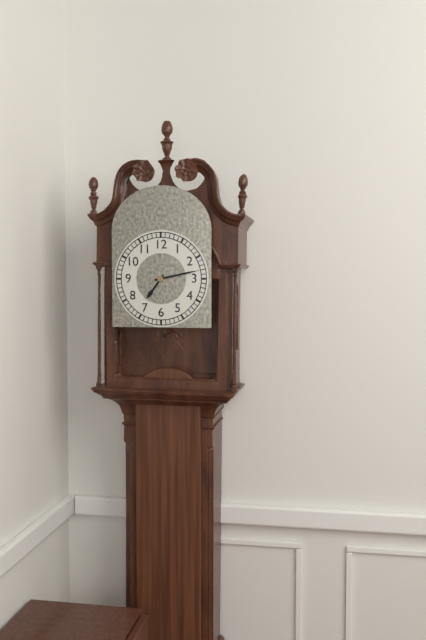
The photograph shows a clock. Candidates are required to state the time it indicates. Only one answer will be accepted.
7:13
